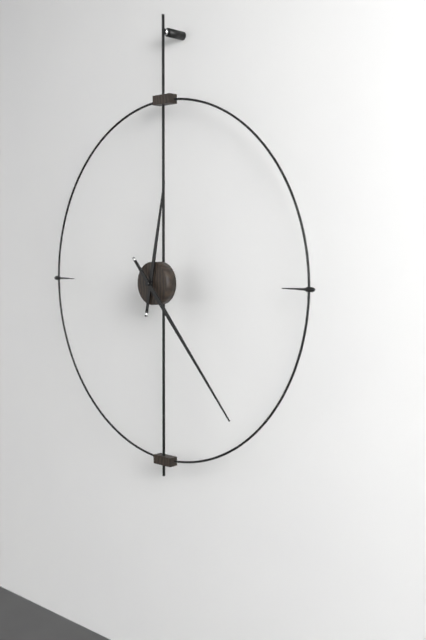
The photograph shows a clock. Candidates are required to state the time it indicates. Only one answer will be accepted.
12:23
